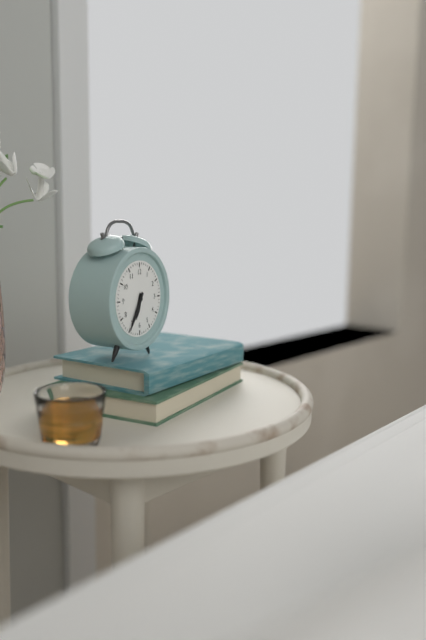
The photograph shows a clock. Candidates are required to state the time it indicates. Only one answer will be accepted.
6:35
